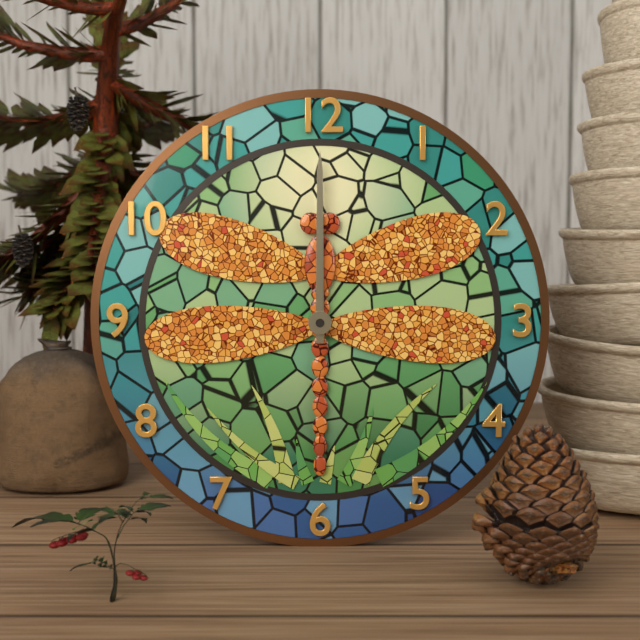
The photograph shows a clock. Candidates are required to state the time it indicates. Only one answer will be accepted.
12:00
